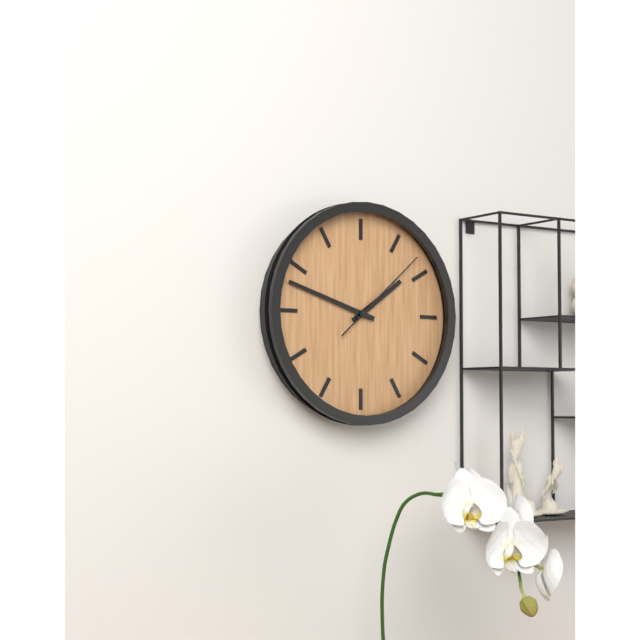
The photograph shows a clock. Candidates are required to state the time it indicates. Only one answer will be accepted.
1:48:08
